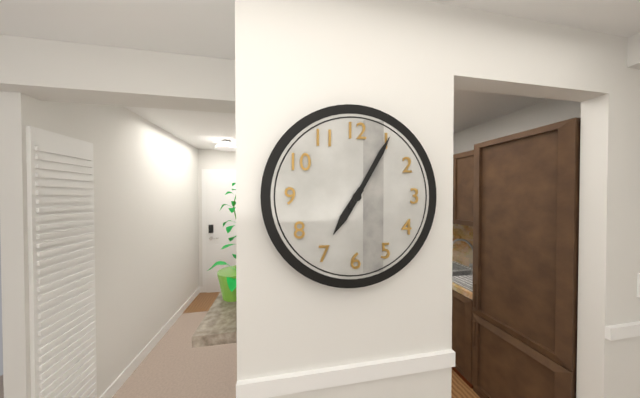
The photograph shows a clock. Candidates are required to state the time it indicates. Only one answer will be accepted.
7:05
